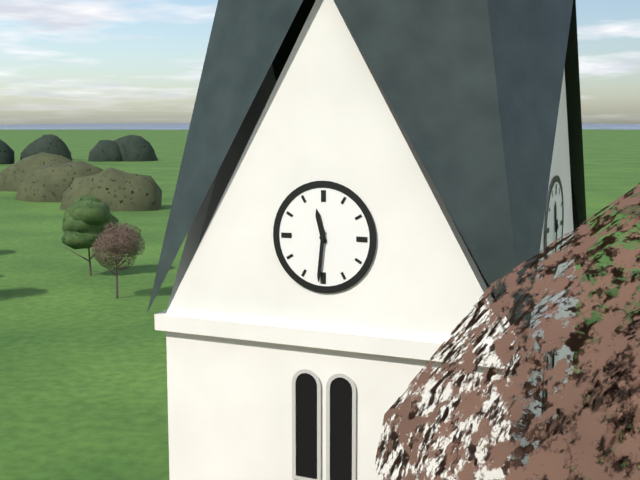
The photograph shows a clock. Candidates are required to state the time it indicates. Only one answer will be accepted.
11:31
